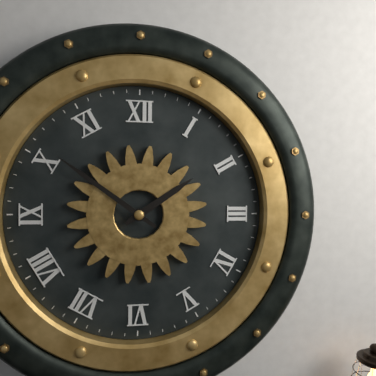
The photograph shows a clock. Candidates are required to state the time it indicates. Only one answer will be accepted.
1:51
